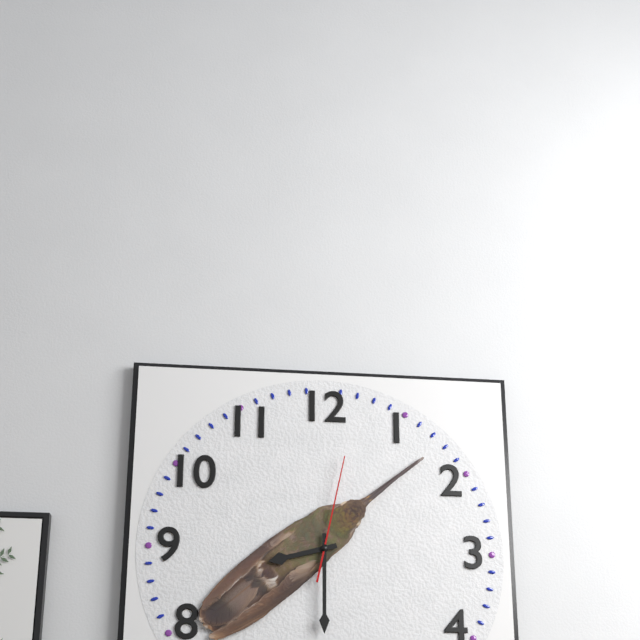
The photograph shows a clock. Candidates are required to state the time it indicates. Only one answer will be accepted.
8:30:02
